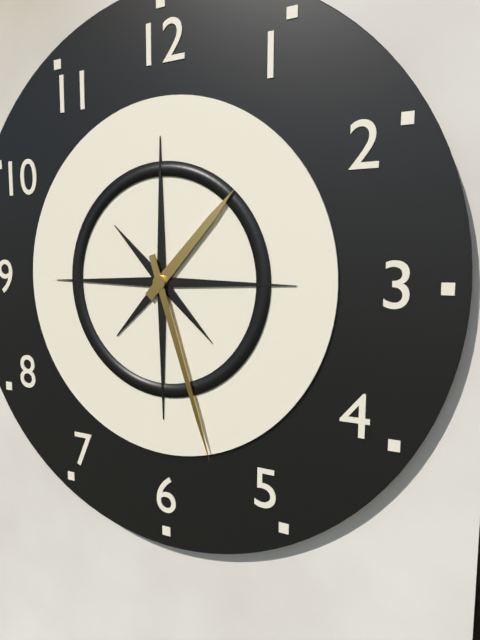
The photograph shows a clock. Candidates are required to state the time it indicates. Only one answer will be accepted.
1:27
